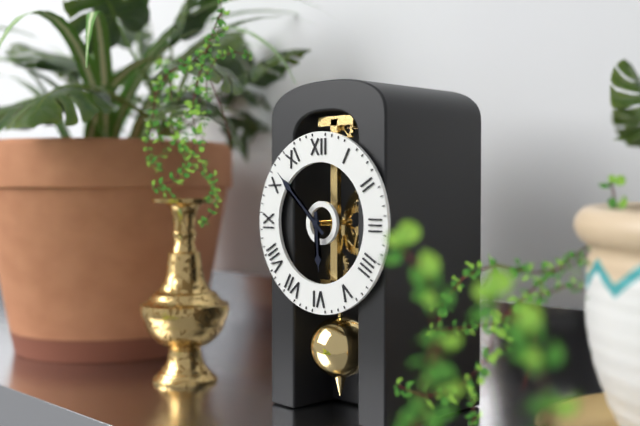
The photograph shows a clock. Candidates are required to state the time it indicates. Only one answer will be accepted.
5:52
